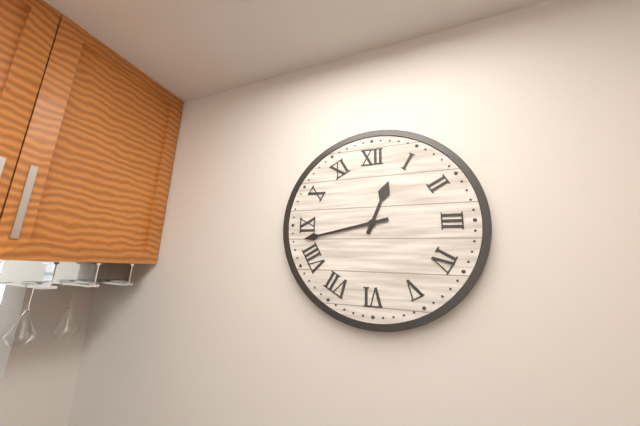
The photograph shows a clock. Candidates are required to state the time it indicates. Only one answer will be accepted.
12:43
